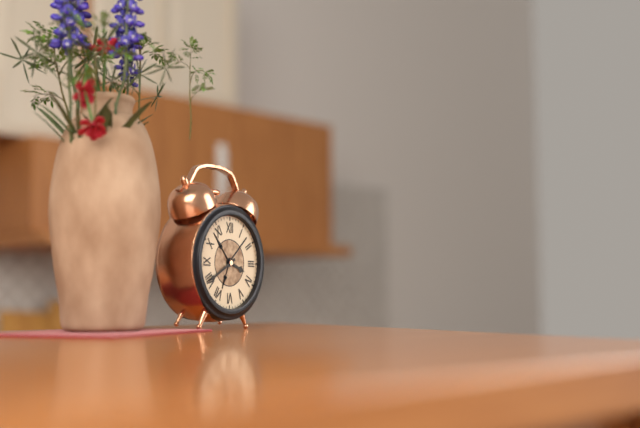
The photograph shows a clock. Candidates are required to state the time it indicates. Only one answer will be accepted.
3:40
